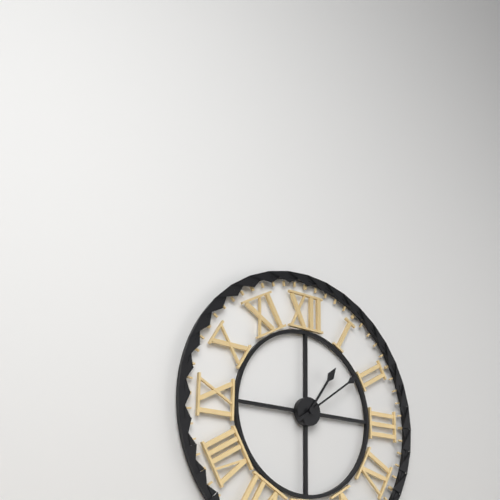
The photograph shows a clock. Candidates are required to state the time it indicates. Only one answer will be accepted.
1:09
